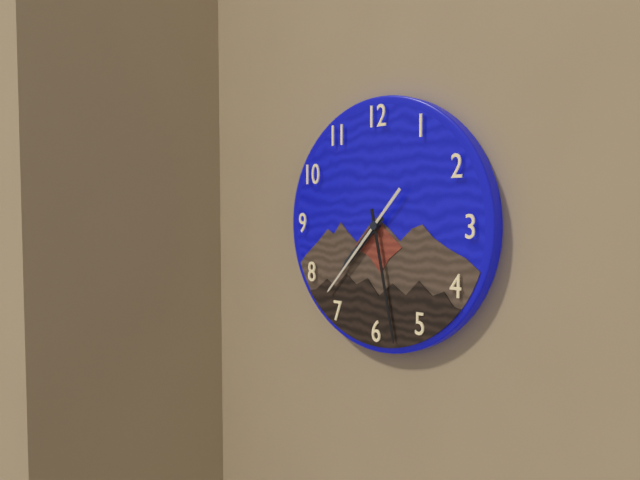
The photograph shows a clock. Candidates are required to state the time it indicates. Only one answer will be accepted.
7:28:37
